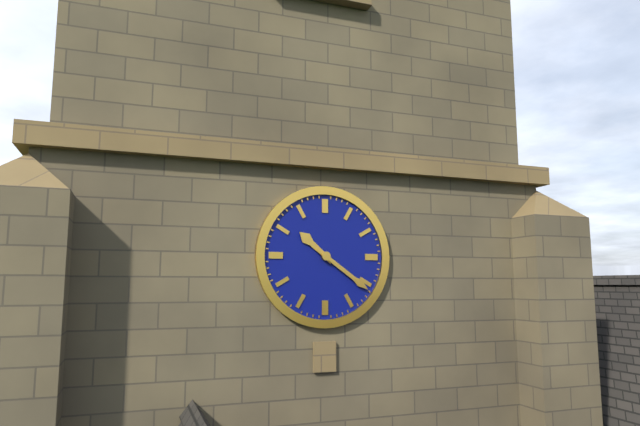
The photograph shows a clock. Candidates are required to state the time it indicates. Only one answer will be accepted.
10:21
